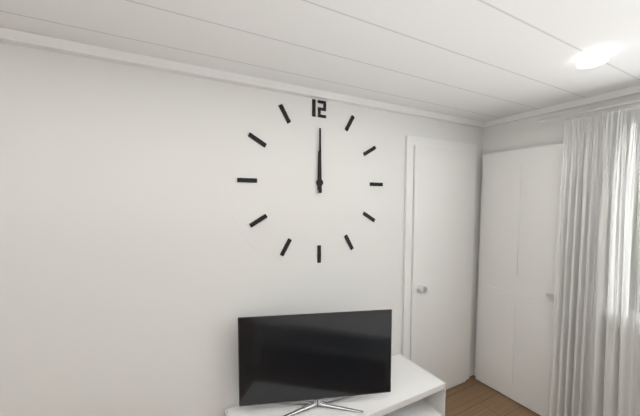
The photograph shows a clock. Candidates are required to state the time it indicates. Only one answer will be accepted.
12:00
